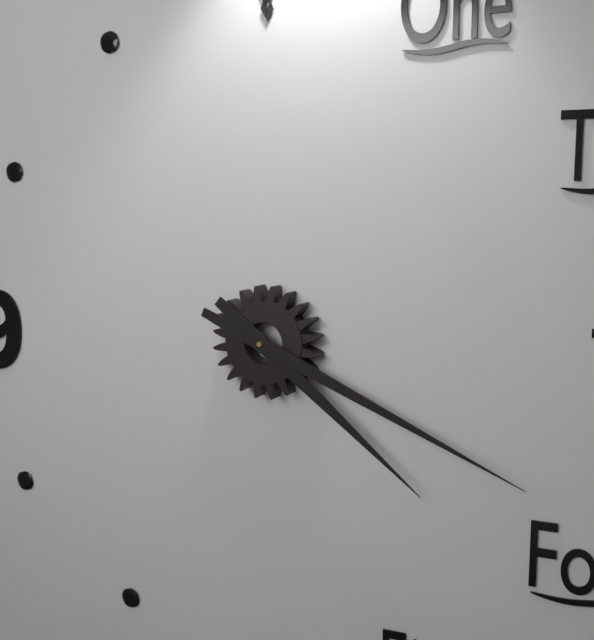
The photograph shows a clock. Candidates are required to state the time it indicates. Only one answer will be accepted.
4:19
